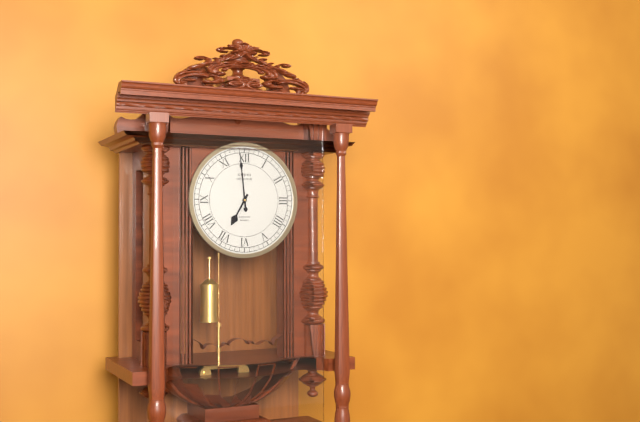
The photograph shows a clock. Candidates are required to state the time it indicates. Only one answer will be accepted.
6:59
